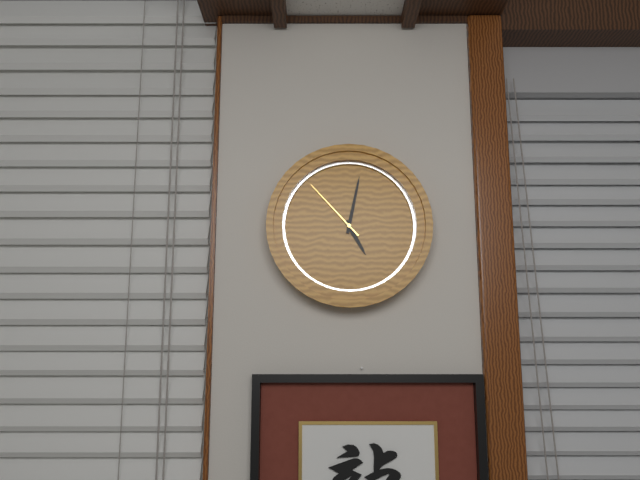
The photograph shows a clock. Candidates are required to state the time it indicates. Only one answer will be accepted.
5:02:53
